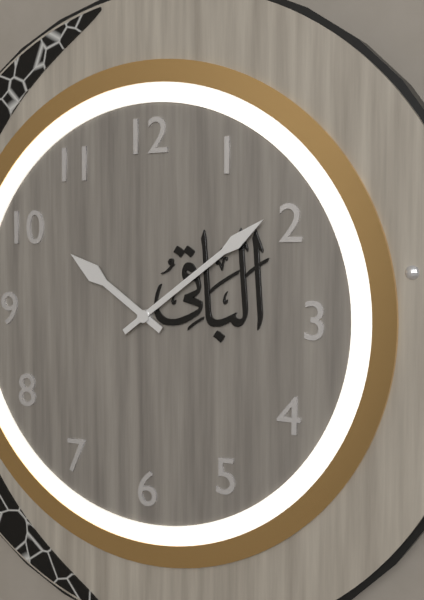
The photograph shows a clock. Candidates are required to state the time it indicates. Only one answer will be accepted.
10:09
